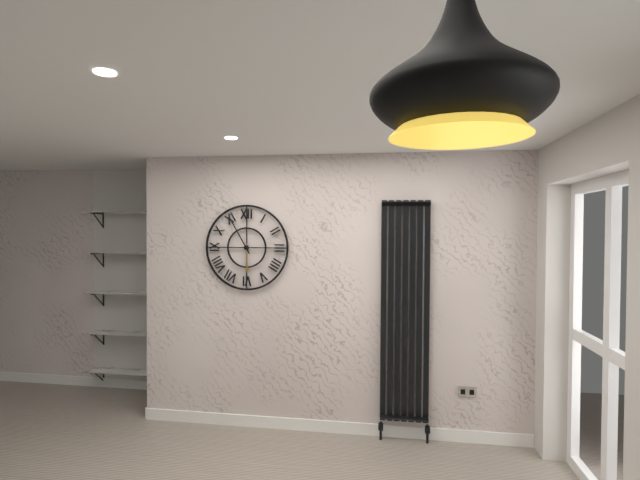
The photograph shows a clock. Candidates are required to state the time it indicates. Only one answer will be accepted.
5:55
